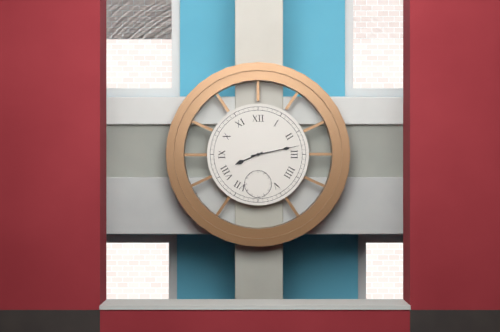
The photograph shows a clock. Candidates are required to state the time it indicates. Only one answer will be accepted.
8:13
